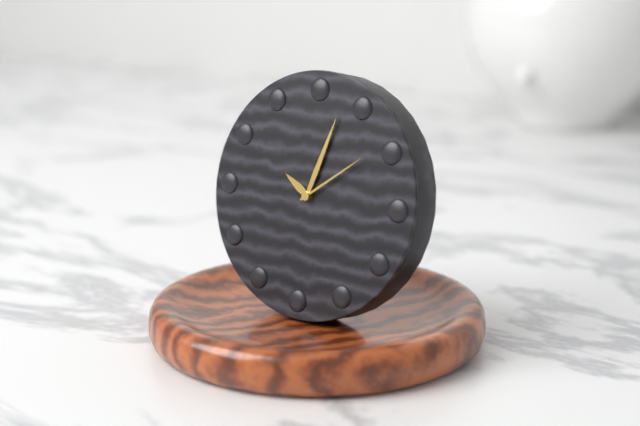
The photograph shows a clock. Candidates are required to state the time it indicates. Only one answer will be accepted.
10:03:09
